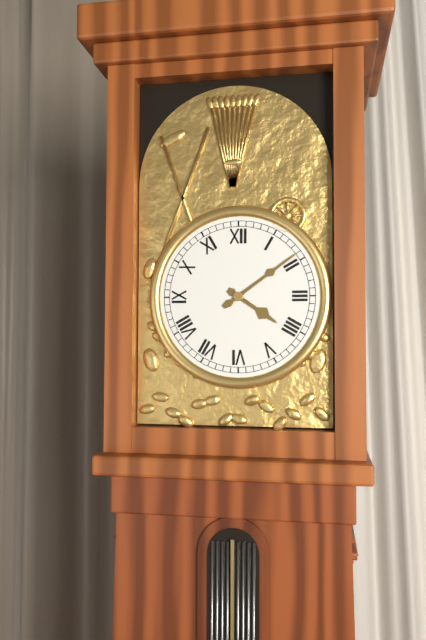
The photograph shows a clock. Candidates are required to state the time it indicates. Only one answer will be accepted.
4:09
